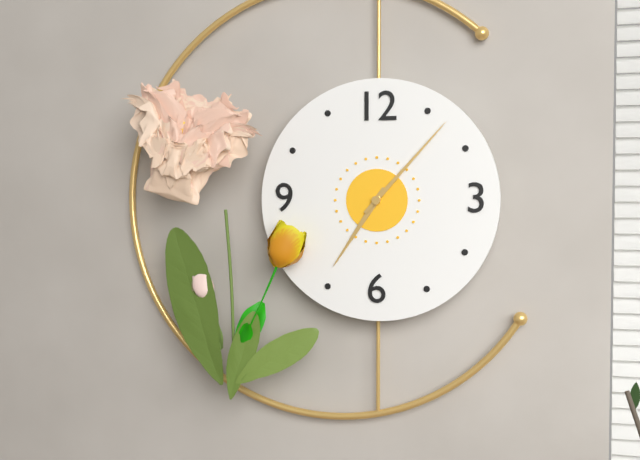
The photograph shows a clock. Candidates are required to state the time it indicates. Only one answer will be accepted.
7:07
